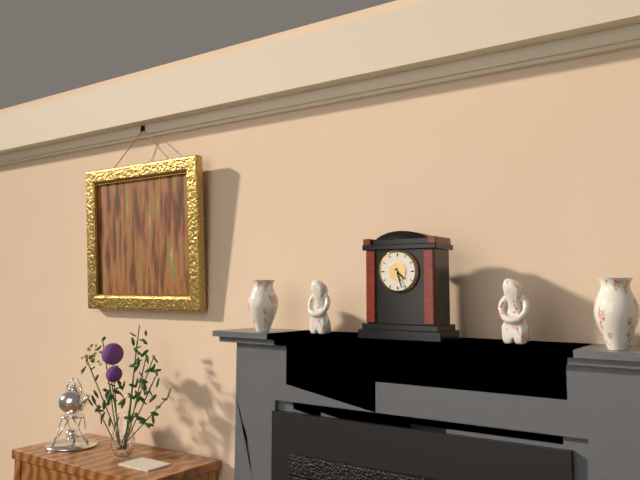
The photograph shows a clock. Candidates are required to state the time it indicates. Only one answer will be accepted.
4:27
